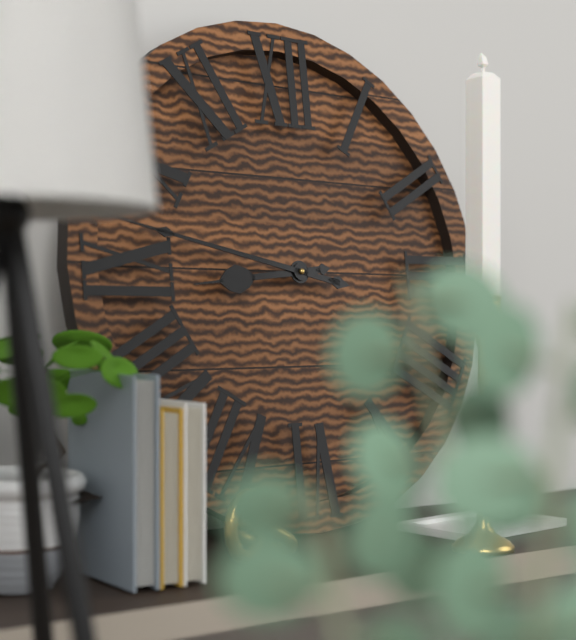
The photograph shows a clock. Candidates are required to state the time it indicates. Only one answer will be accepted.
8:47
